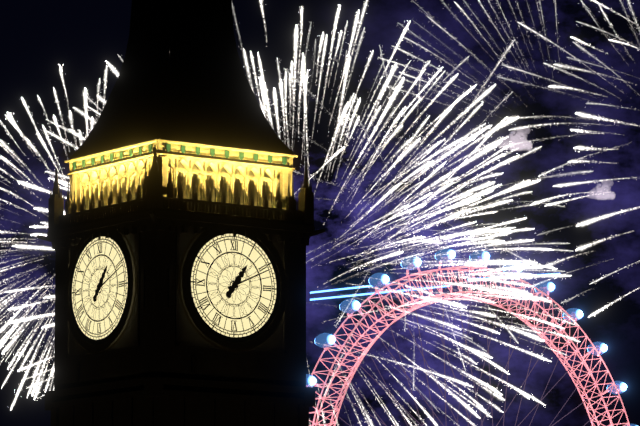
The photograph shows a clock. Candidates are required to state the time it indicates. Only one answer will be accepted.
1:11
